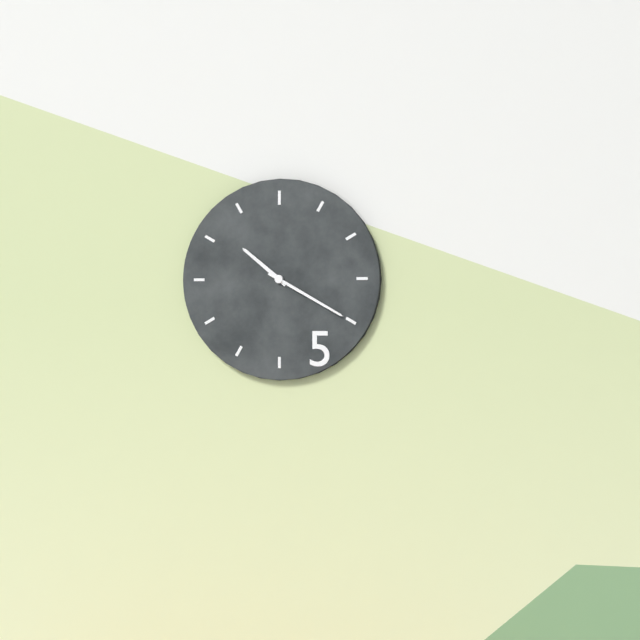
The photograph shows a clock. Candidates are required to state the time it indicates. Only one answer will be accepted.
10:20
